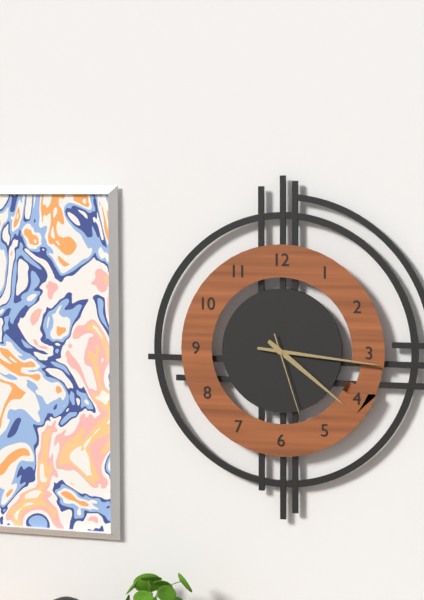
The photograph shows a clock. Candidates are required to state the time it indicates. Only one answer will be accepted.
4:16:27
